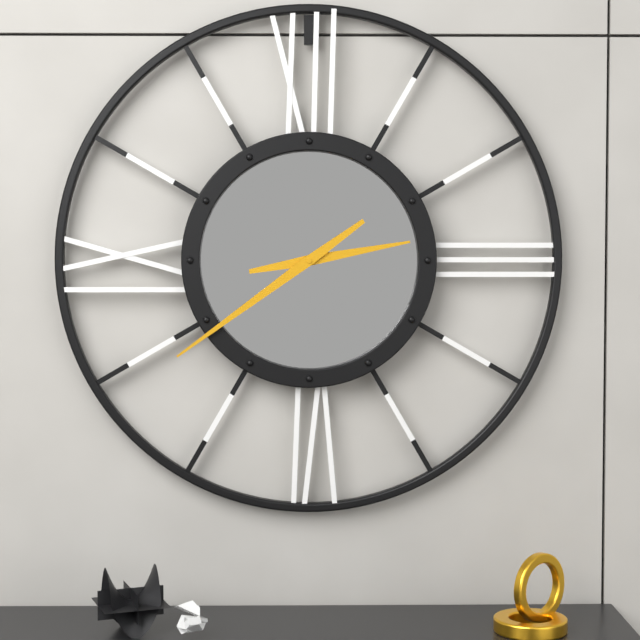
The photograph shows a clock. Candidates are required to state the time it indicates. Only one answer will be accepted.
2:39
